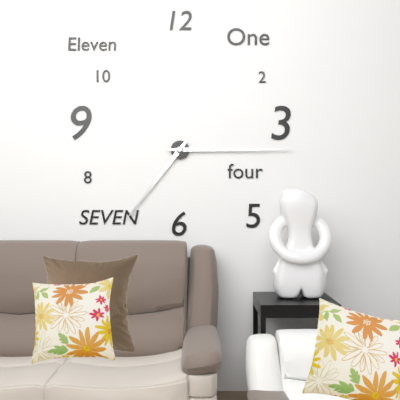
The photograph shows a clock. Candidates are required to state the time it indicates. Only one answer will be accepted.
7:15
